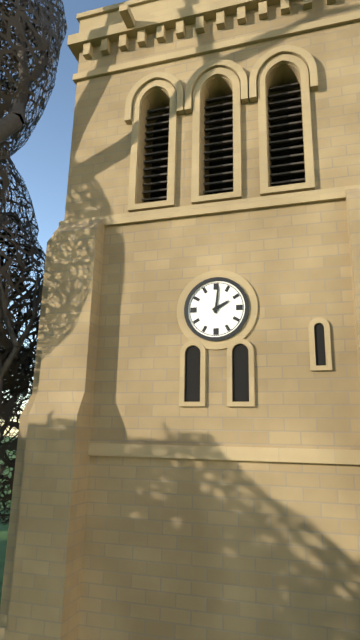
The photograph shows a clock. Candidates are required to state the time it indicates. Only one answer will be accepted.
2:01
